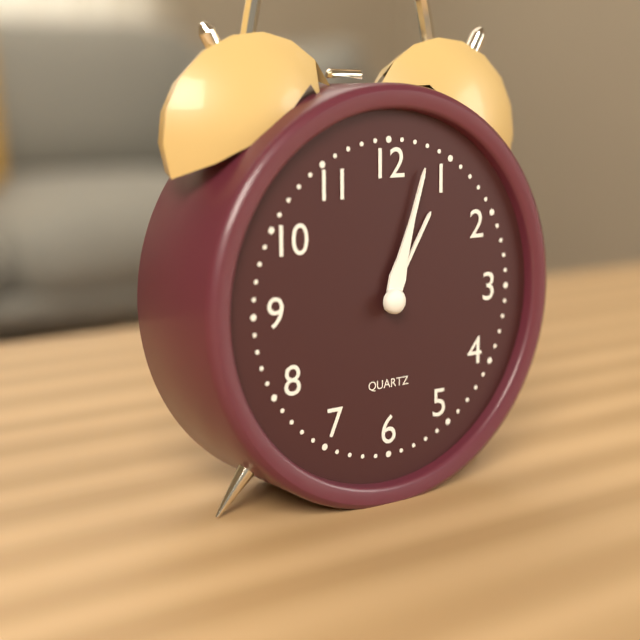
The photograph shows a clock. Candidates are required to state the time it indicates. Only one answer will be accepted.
1:03
